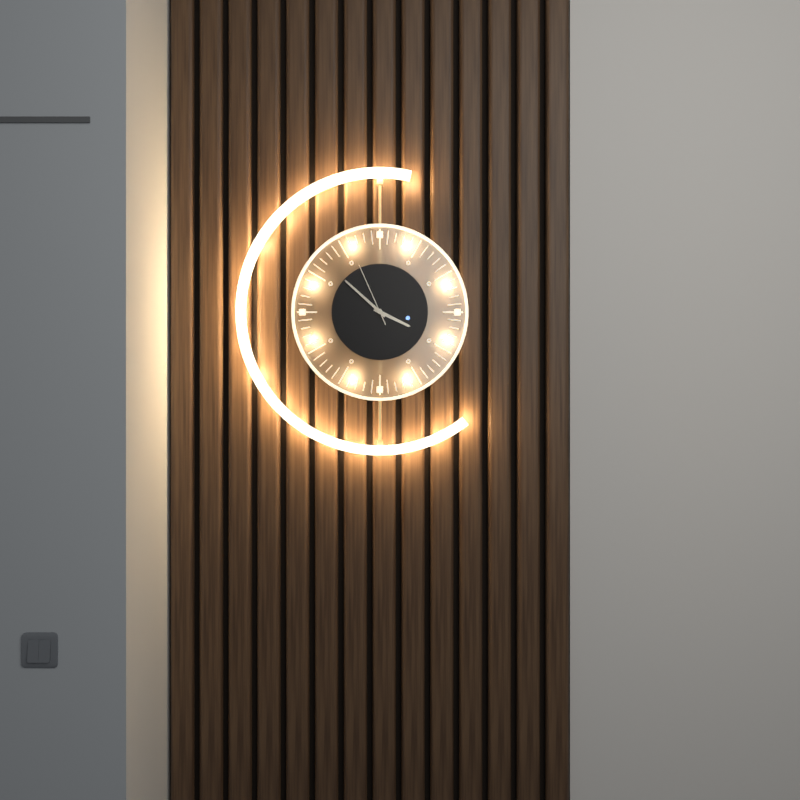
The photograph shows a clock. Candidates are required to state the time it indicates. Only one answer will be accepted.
3:52:56
